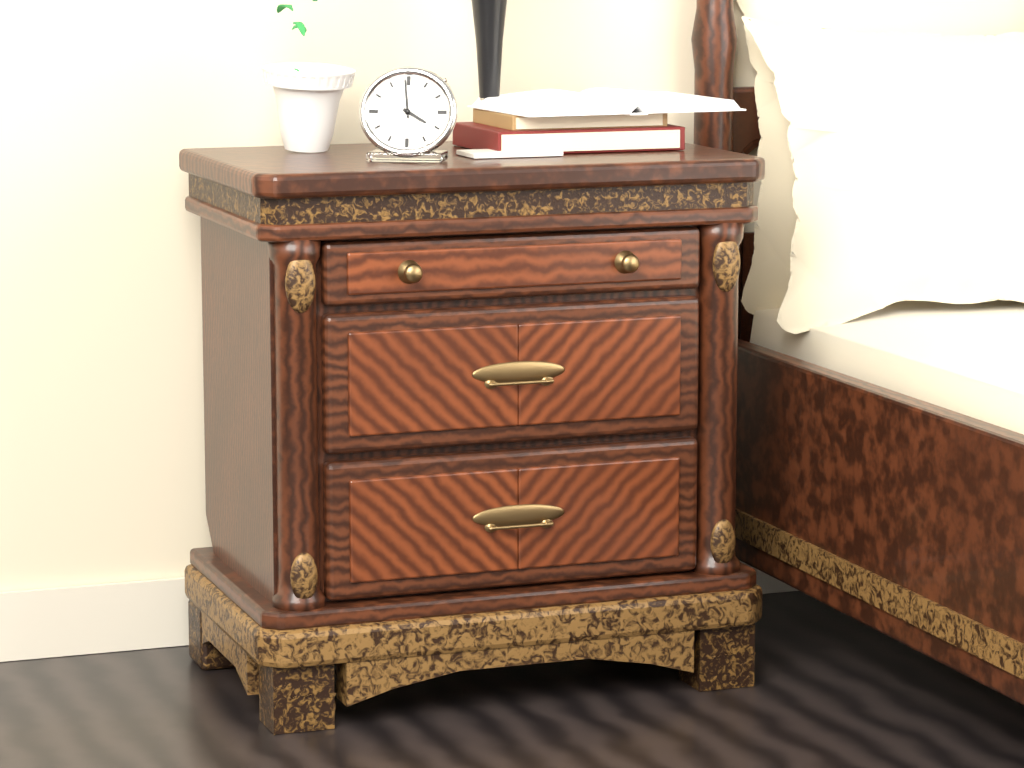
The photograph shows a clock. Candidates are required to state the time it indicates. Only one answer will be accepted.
3:59
